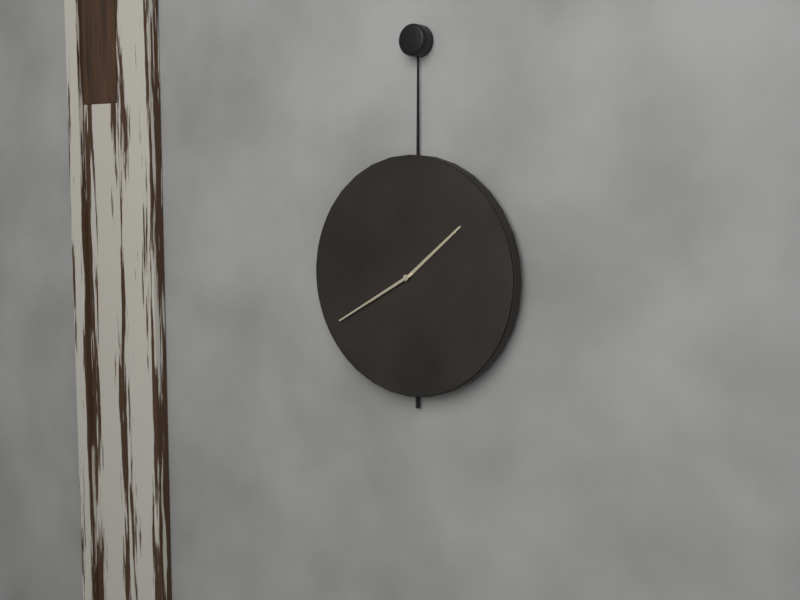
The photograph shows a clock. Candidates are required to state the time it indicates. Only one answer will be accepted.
1:40
